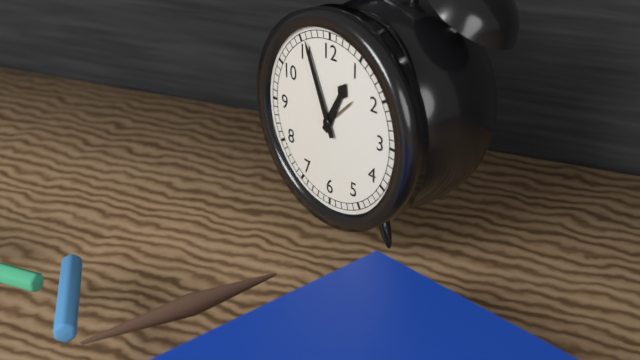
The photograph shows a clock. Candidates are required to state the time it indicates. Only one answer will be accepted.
12:56
